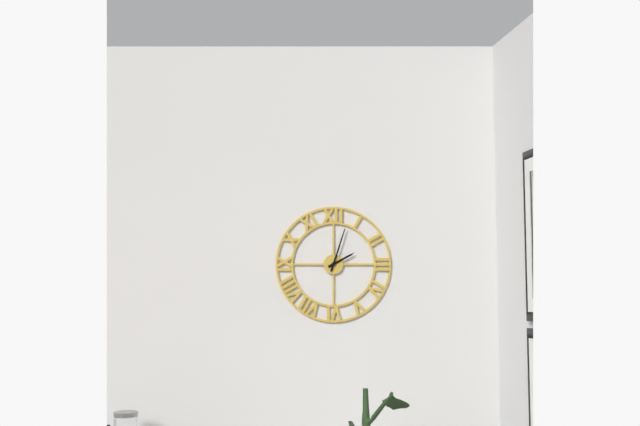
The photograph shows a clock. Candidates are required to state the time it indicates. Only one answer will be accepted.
2:03
